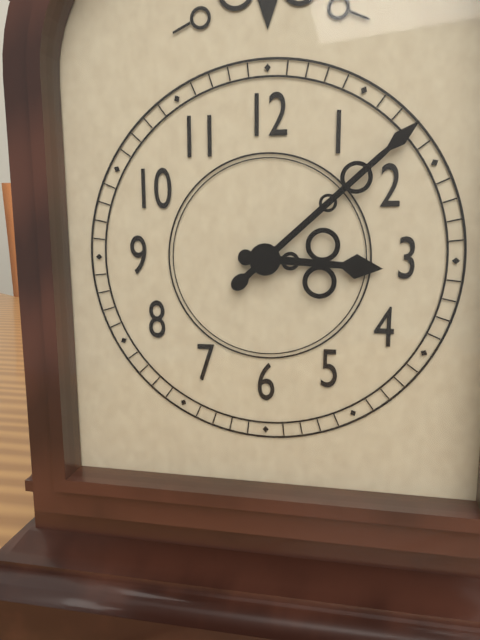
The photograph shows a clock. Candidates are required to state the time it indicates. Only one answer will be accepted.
3:08
